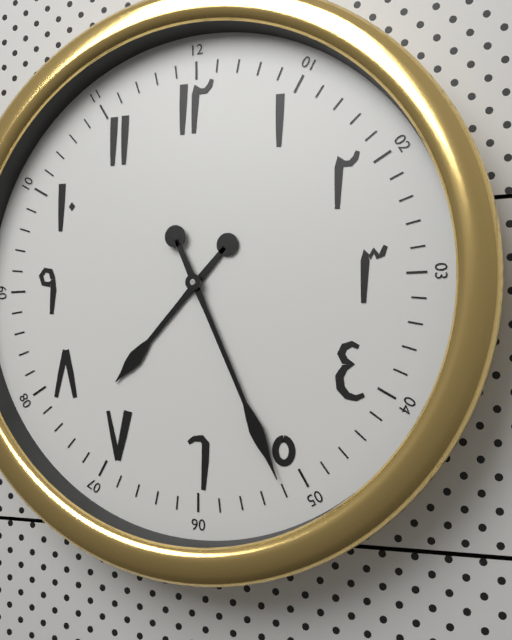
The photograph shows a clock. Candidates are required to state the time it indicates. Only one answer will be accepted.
7:26
